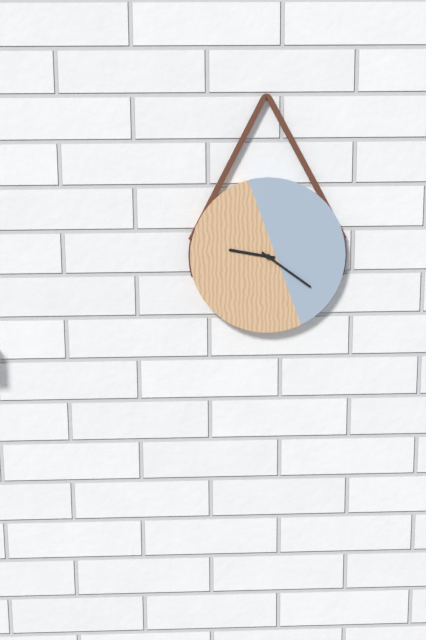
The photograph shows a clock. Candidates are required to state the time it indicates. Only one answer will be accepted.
9:21
